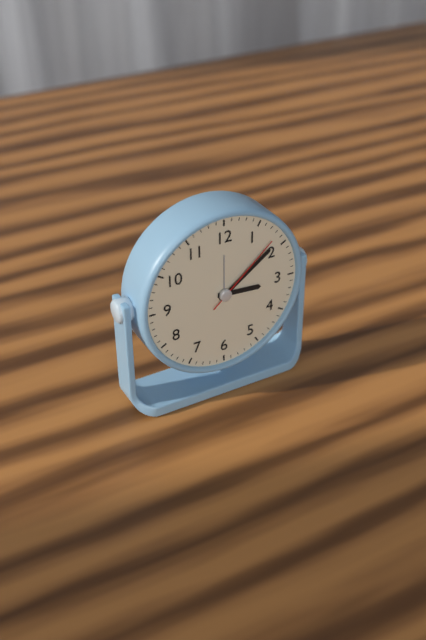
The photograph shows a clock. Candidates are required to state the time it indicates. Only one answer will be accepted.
3:09:08
